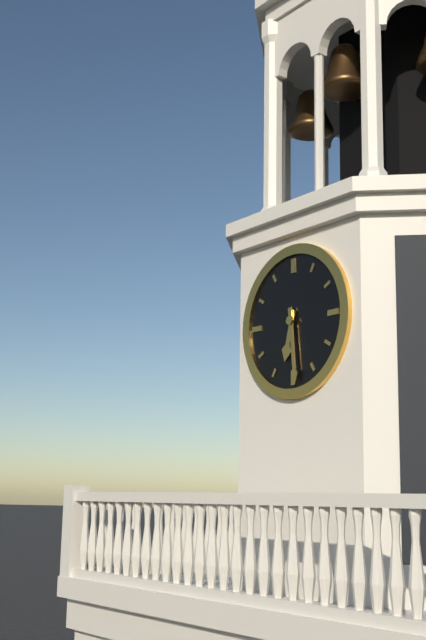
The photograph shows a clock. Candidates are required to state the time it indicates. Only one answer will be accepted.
6:29
